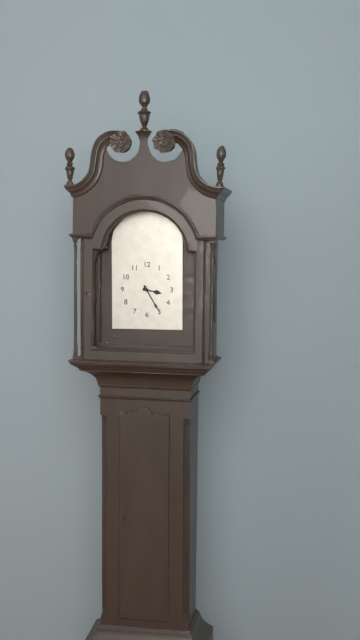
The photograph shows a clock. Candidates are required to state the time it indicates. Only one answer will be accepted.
3:25
